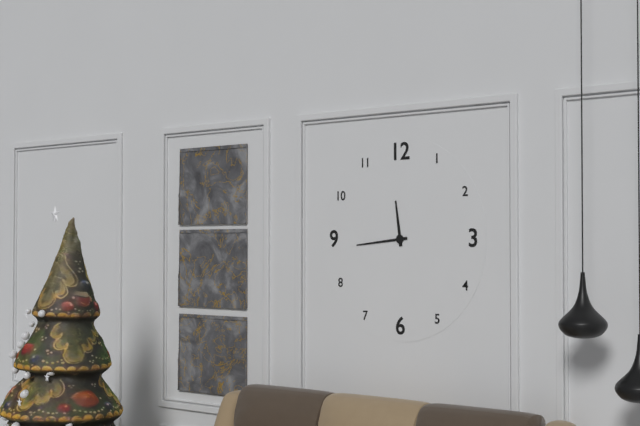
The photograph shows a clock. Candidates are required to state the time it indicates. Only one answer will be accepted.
11:44
